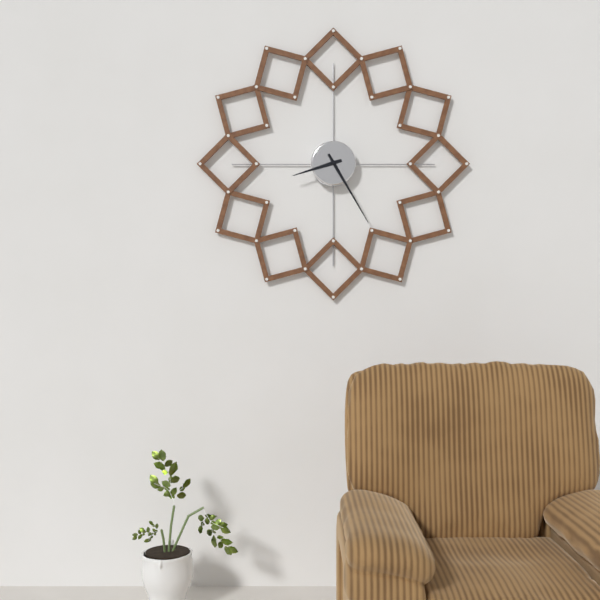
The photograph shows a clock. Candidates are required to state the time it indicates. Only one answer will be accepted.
8:25
